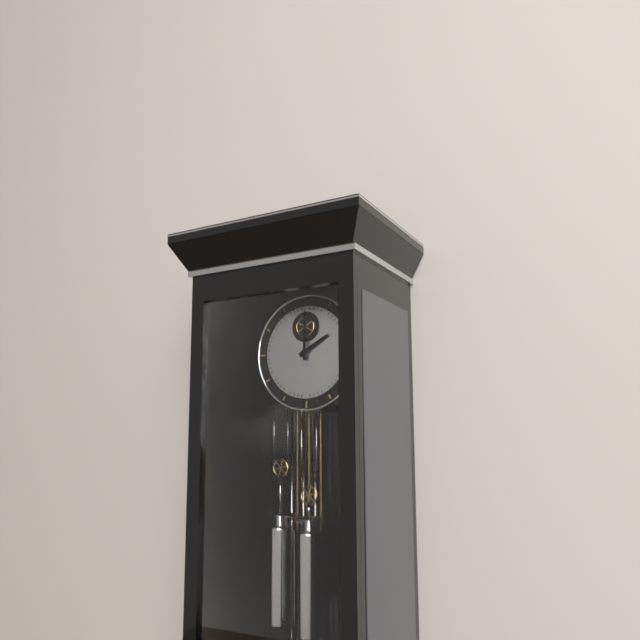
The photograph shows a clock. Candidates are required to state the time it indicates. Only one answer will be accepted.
2:00
